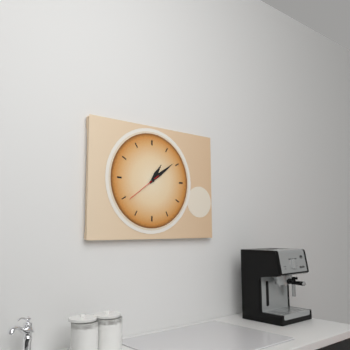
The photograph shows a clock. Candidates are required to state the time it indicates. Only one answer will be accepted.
1:09
